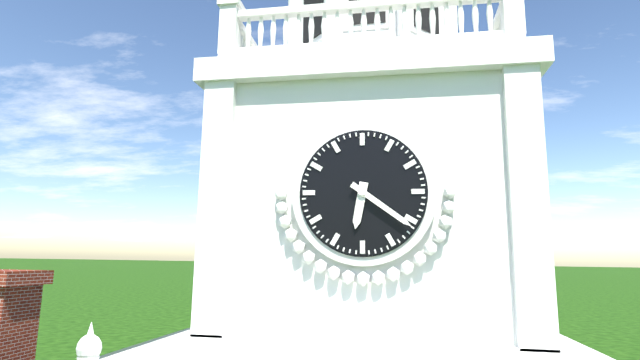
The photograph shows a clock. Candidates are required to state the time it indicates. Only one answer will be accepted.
6:21
